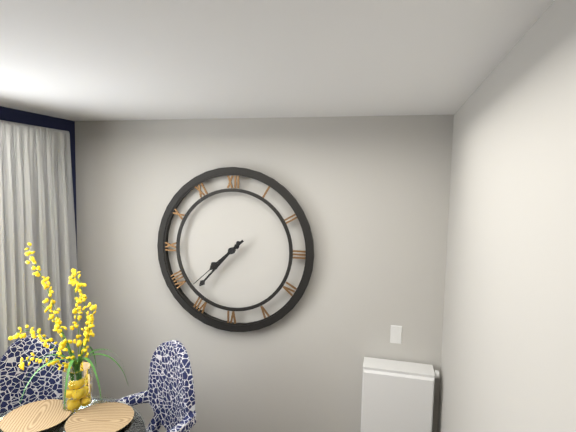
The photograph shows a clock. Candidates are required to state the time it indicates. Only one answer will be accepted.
7:37:38
